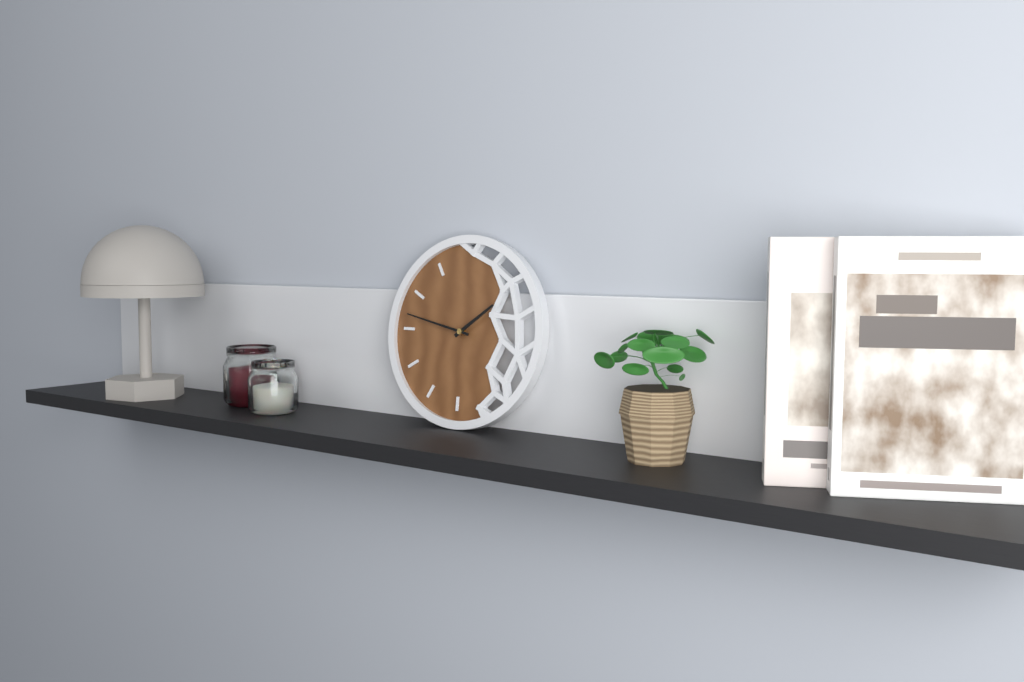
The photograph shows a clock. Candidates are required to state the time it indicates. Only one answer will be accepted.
1:47
